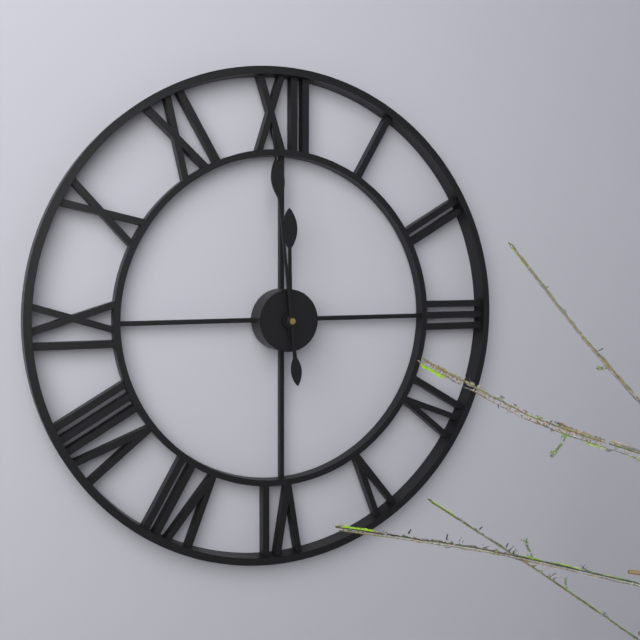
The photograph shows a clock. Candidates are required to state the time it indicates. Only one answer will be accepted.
11:59
